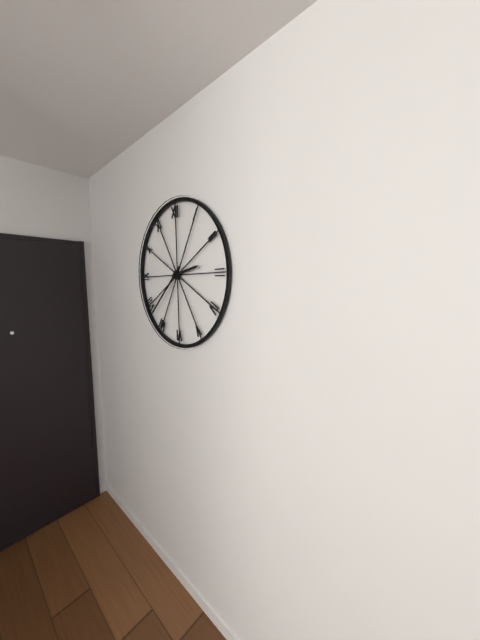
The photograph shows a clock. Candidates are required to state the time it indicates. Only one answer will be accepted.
2:38
